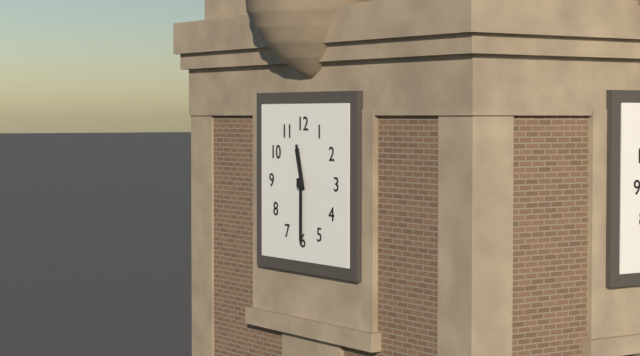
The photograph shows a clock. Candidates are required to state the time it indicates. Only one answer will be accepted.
11:30
